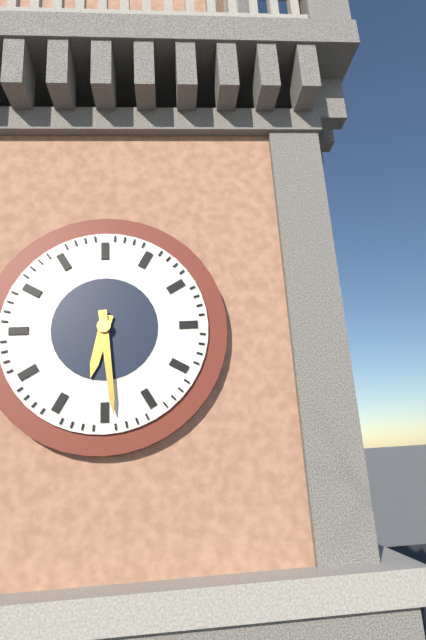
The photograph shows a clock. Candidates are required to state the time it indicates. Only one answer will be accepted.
6:29
